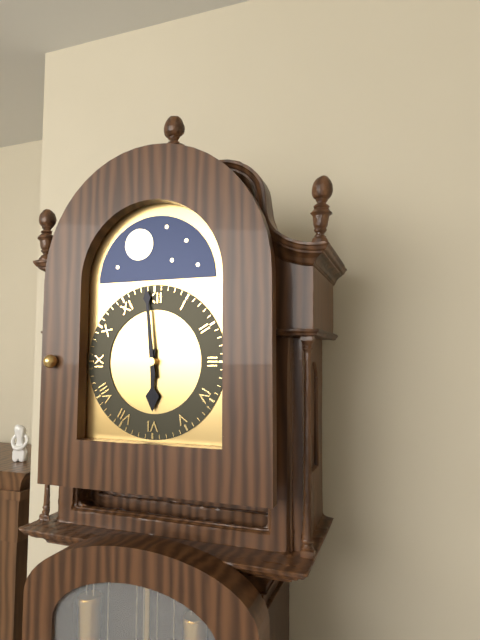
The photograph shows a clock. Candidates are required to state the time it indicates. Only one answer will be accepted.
5:59
